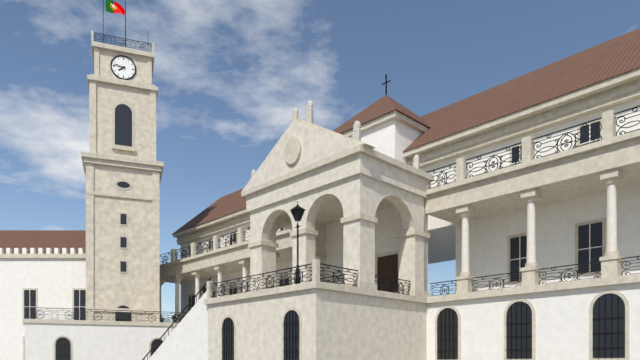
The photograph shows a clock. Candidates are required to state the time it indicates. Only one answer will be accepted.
7:47
